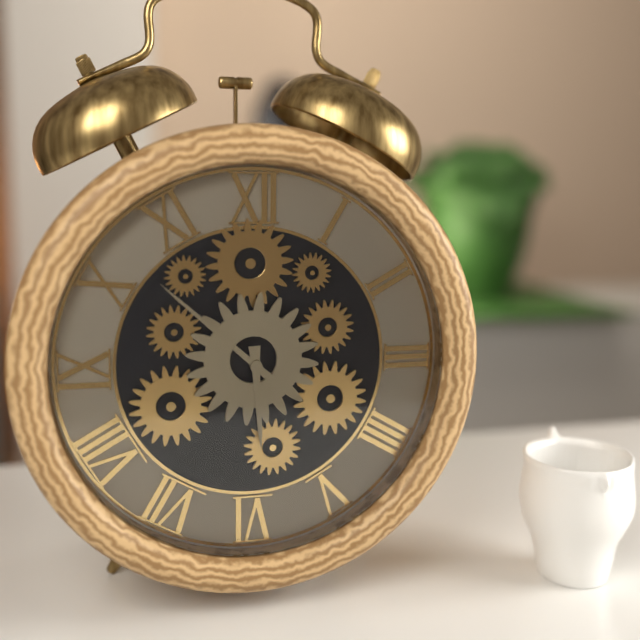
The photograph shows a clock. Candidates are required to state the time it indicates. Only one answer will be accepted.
5:52
